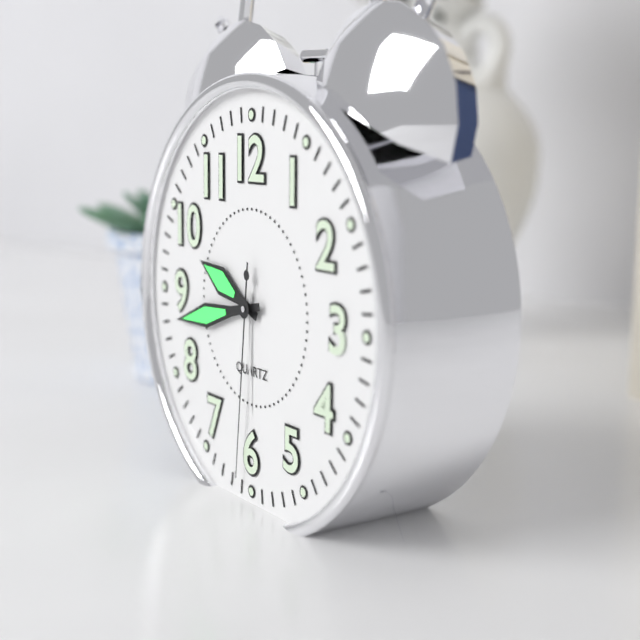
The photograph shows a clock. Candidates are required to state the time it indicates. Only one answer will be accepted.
9:43:31
